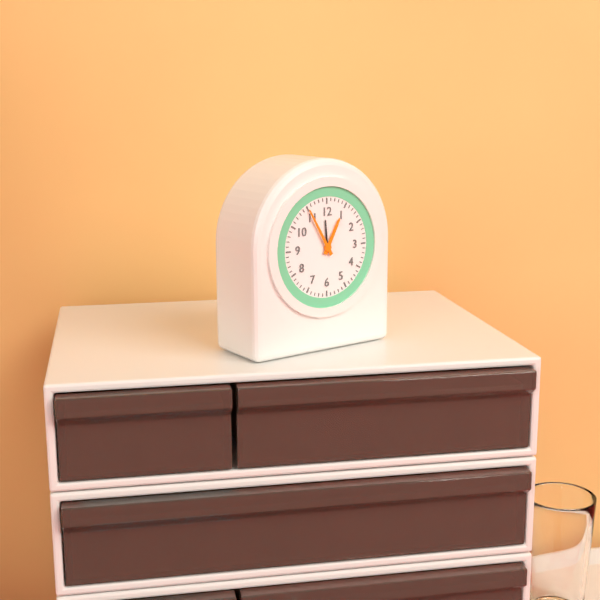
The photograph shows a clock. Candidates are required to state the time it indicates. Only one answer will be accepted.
12:55
